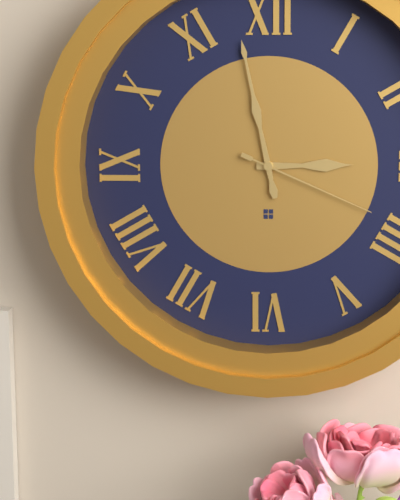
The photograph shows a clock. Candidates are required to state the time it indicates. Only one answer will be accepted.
2:58:19
